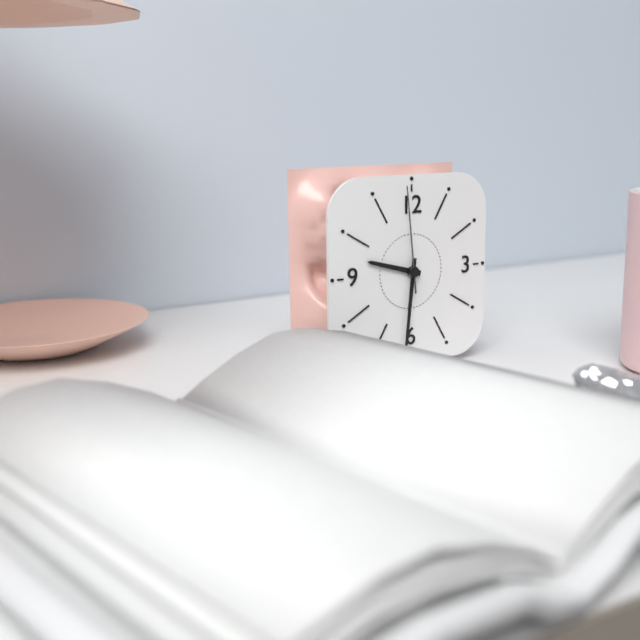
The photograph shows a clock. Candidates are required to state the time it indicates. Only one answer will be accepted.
9:31:59
